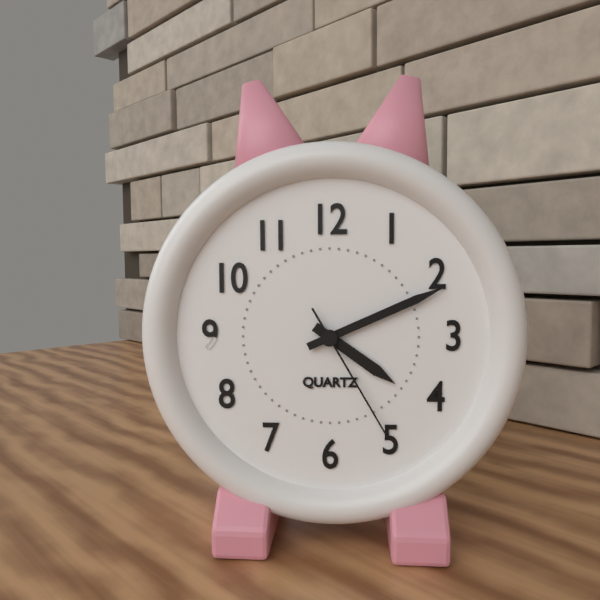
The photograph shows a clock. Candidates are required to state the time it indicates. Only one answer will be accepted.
4:11:25
